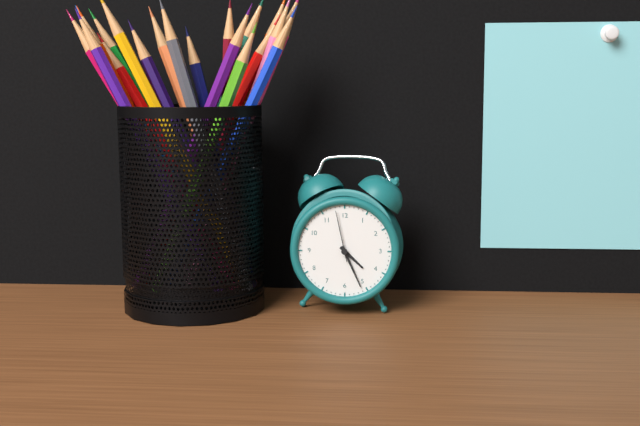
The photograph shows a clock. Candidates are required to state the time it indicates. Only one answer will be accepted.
4:26:58
